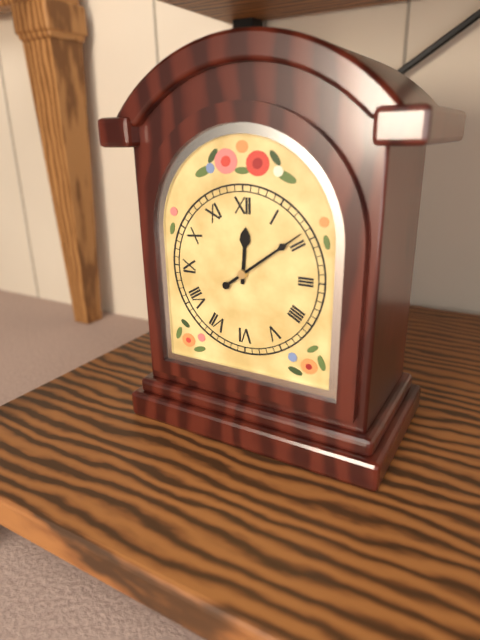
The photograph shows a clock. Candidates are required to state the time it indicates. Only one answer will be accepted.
12:09
